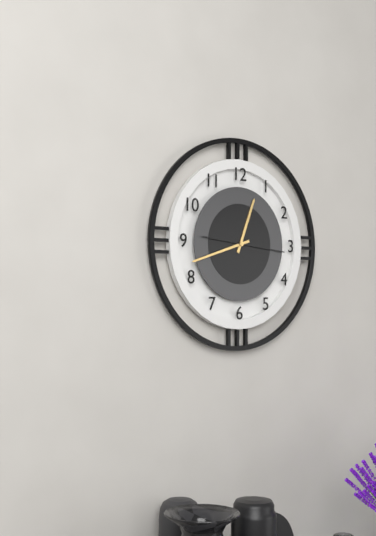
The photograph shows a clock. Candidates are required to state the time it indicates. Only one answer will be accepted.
12:42:16
